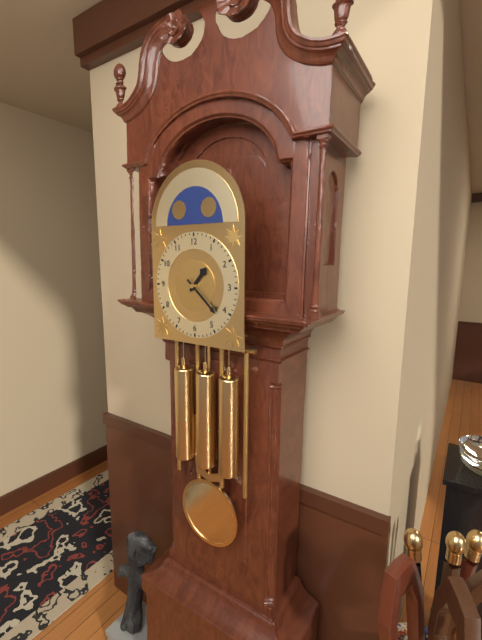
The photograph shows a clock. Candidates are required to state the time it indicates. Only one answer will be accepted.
1:22
